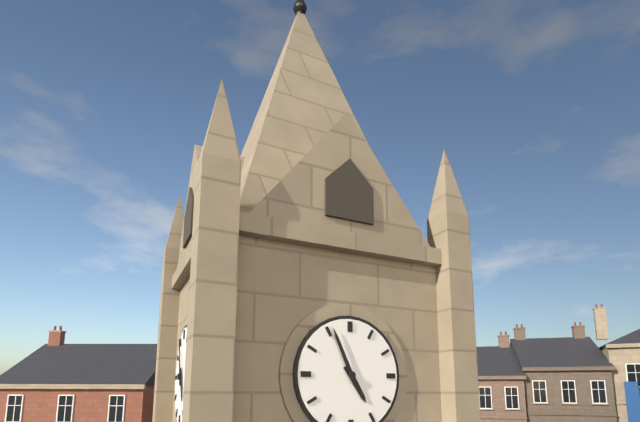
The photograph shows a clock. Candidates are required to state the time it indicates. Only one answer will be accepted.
4:56
